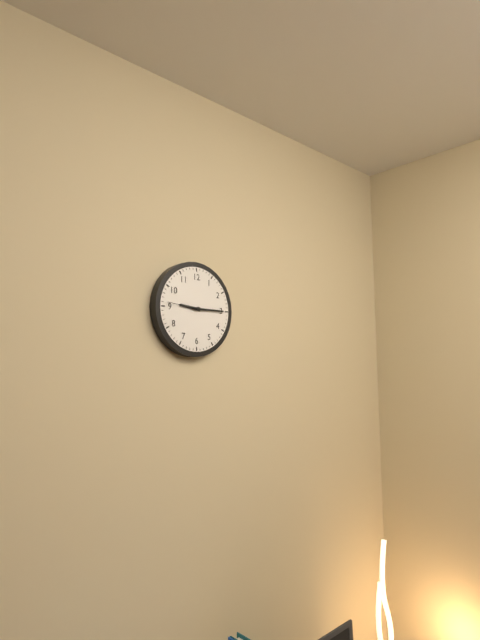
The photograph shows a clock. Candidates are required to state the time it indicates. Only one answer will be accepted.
9:15
